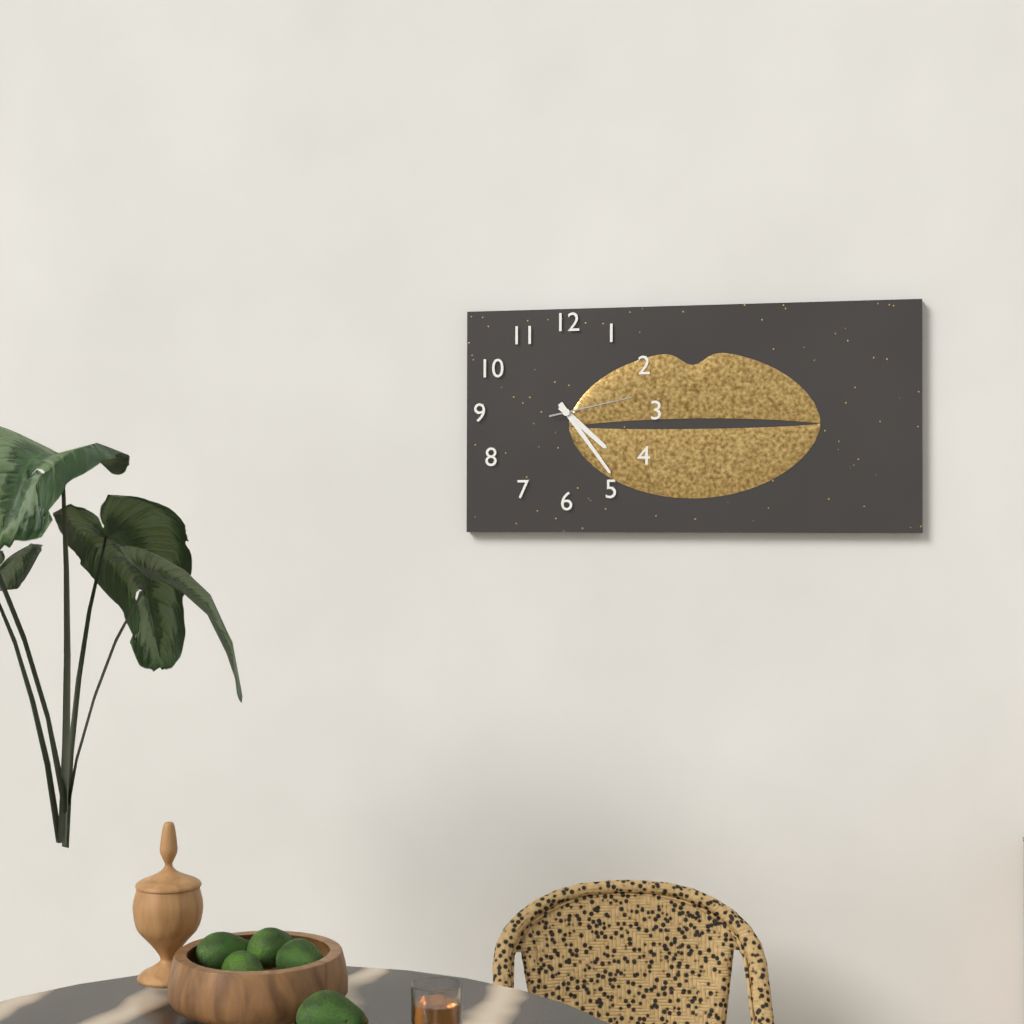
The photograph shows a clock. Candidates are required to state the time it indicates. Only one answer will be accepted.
4:24:13
